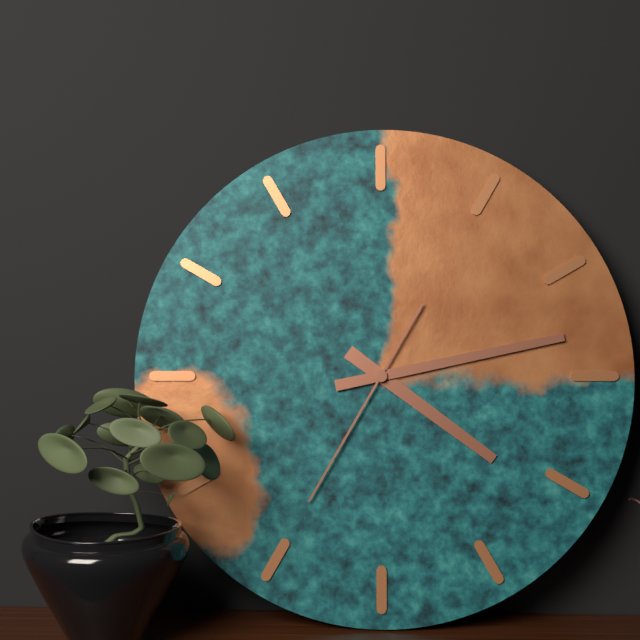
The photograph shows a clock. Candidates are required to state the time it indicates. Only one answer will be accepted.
4:13:35
